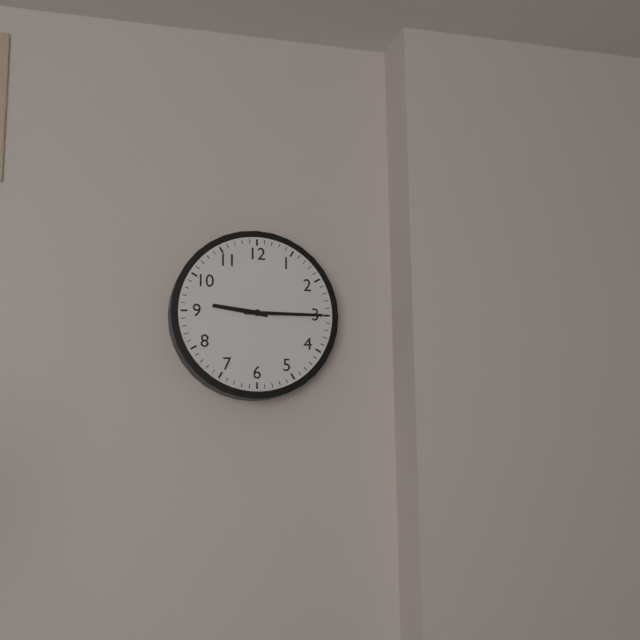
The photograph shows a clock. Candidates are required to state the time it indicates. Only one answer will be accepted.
9:15
